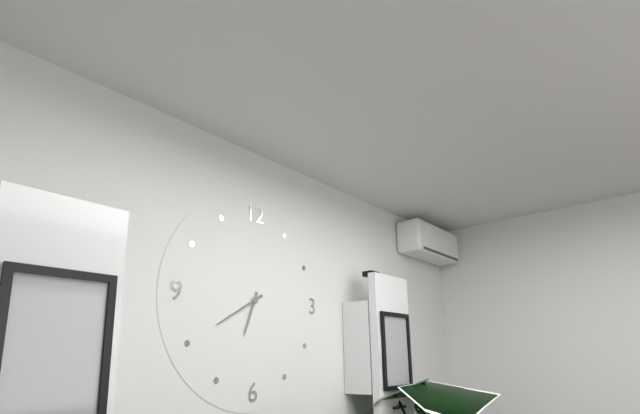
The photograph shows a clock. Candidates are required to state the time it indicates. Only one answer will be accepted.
6:40
